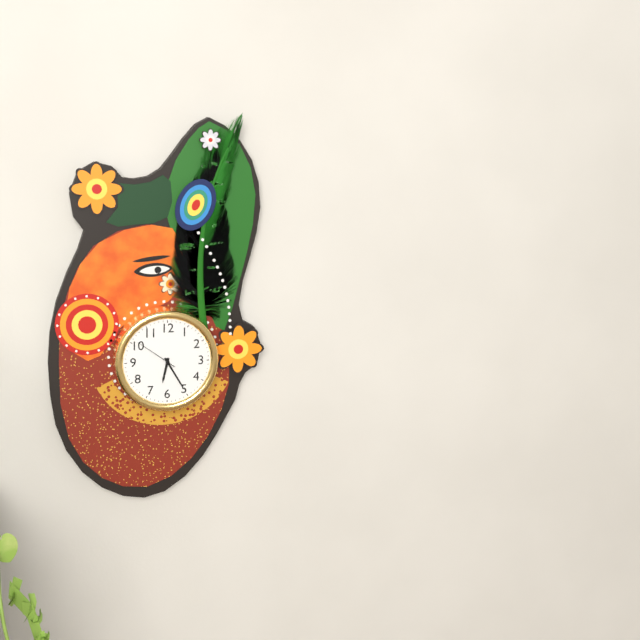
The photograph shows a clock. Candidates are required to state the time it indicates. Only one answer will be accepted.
6:25
